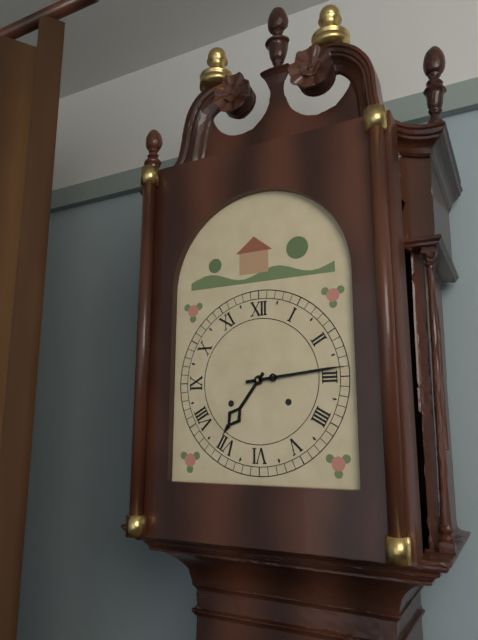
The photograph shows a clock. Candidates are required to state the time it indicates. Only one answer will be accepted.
7:14
